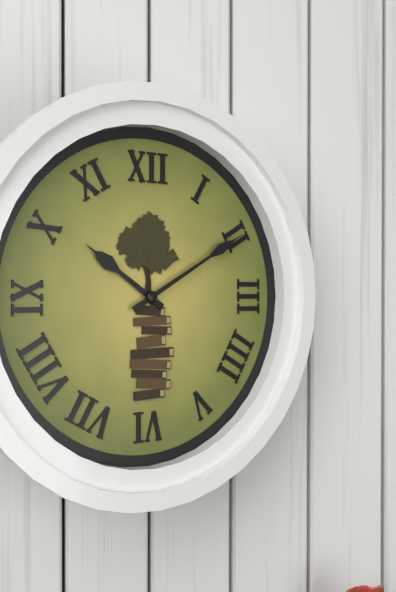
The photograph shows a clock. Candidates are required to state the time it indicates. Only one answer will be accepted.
10:10
